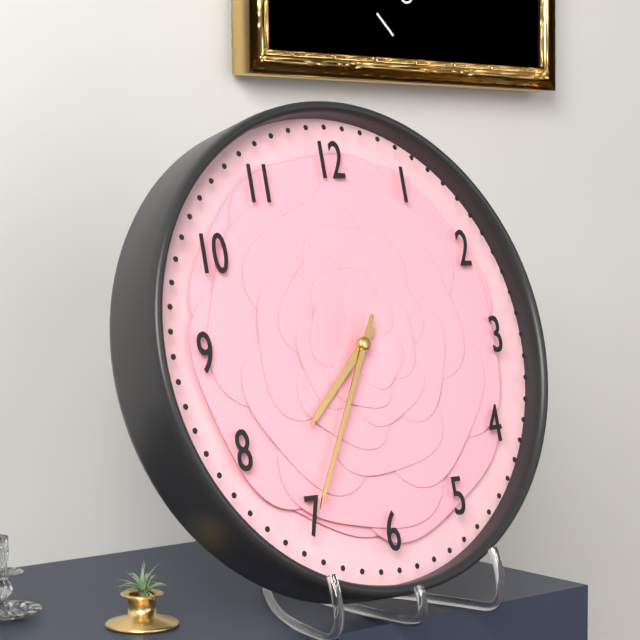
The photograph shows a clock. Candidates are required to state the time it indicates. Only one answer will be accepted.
7:35
